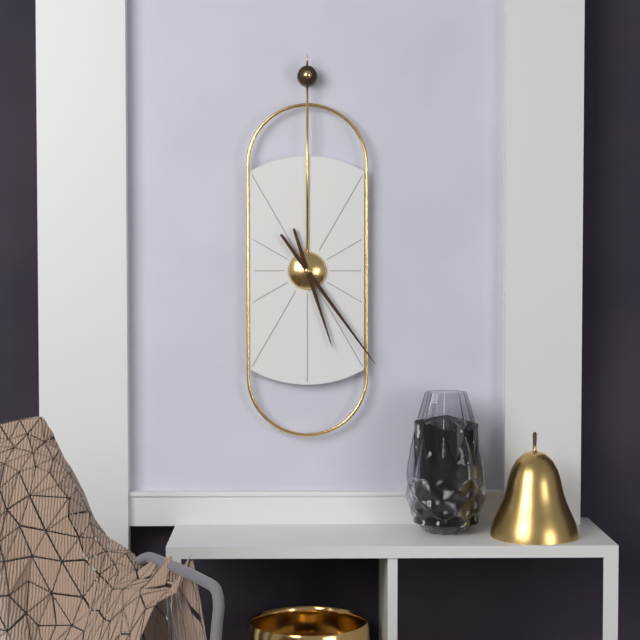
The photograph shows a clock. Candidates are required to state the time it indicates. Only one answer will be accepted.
5:24
